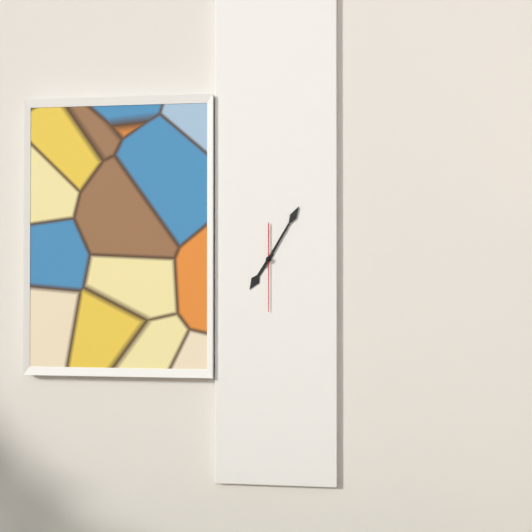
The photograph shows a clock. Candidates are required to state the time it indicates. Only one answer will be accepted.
7:05:30
